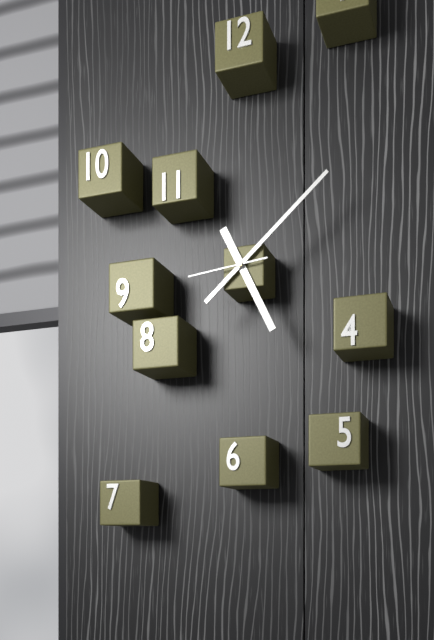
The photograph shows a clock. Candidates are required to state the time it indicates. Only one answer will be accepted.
5:08:44
